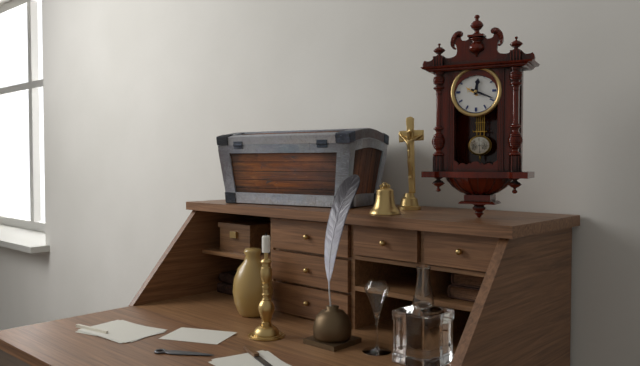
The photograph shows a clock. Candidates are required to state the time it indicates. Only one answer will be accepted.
12:19
